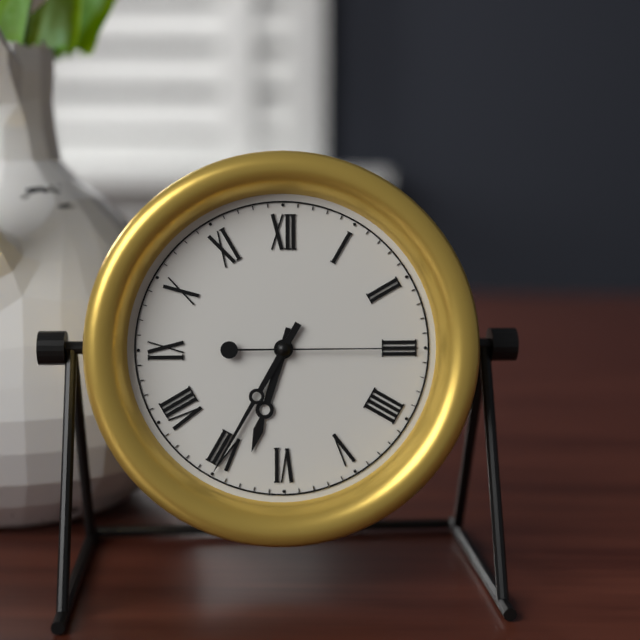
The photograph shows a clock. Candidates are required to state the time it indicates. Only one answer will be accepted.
6:35:15
